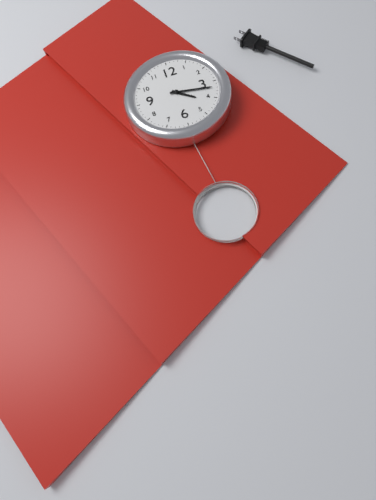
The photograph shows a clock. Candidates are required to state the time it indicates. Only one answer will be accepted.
4:17
